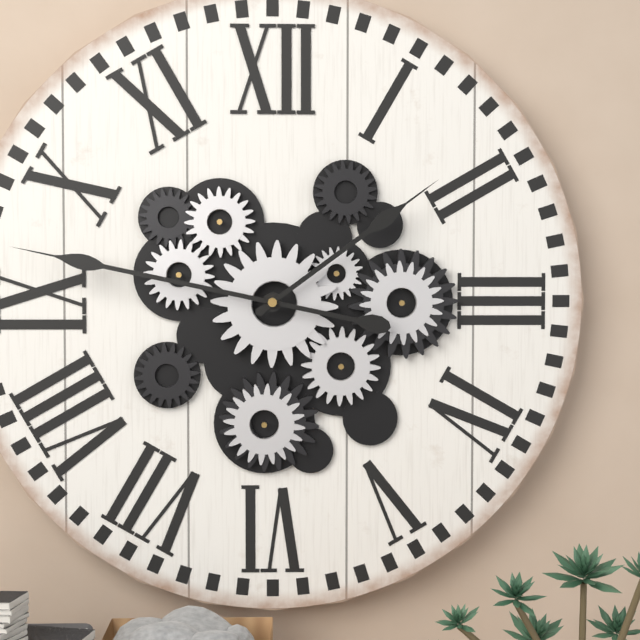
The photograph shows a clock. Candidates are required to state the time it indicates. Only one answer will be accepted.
1:47
